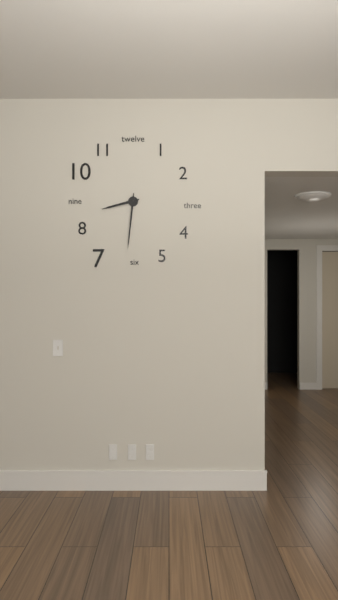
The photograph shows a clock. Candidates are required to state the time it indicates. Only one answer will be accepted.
8:31
